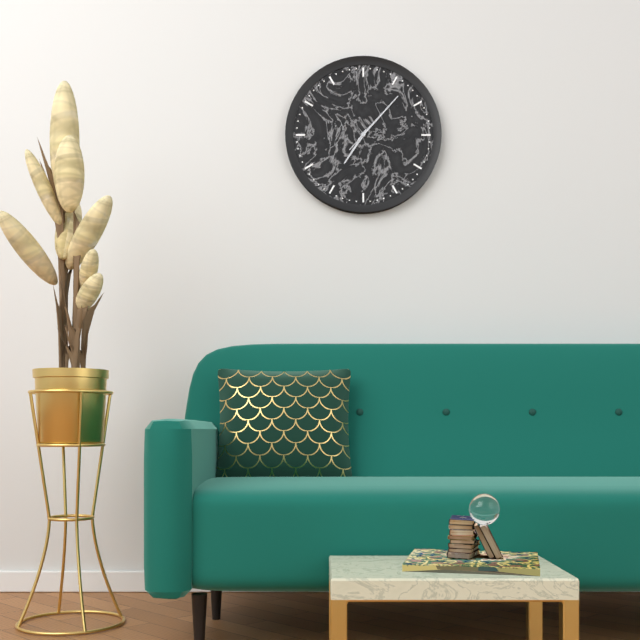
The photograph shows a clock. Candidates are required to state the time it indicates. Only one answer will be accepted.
7:07:07
